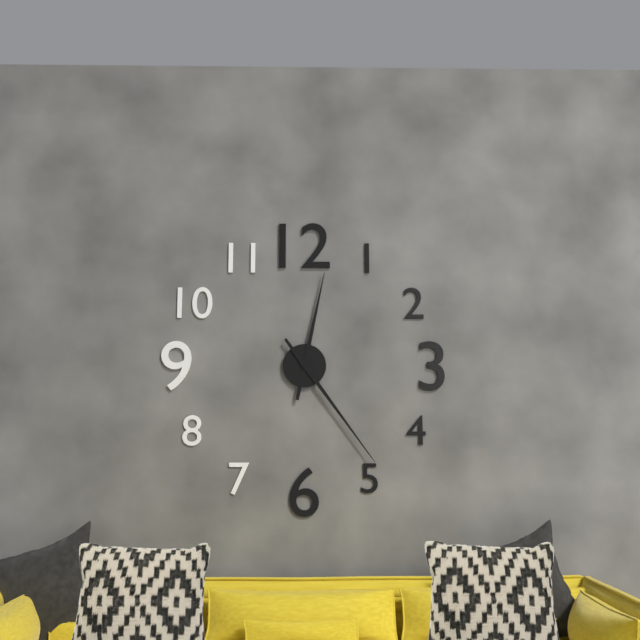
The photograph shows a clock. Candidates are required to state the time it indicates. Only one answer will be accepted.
12:24
